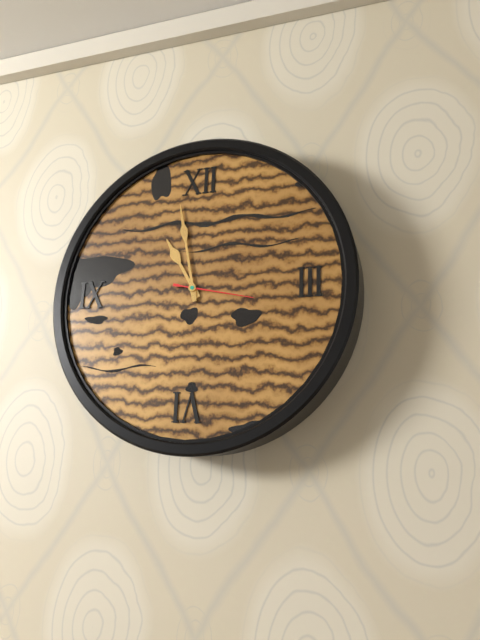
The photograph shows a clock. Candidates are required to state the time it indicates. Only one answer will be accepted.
10:58:17
